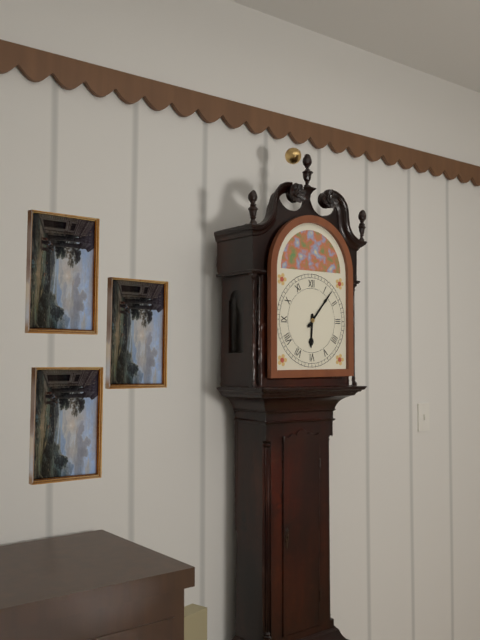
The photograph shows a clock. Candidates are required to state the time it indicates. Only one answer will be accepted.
6:07
